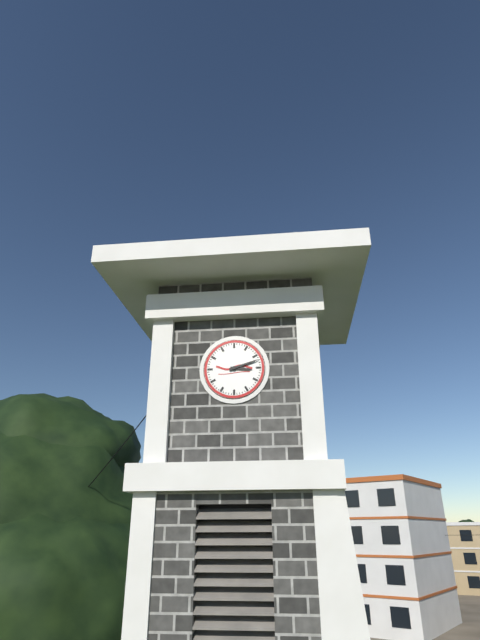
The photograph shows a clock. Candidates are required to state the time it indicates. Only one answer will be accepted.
3:12
